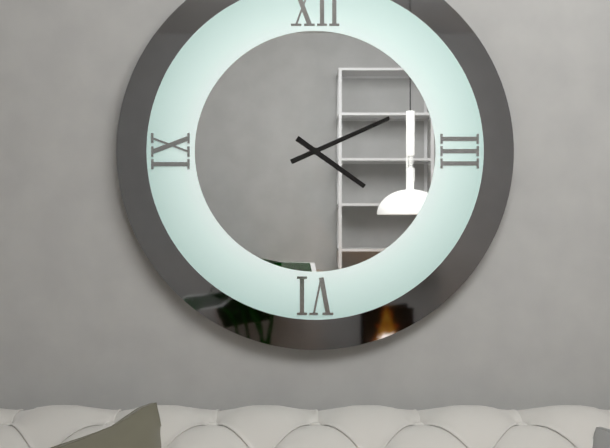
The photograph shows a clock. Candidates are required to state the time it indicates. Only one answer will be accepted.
4:11
